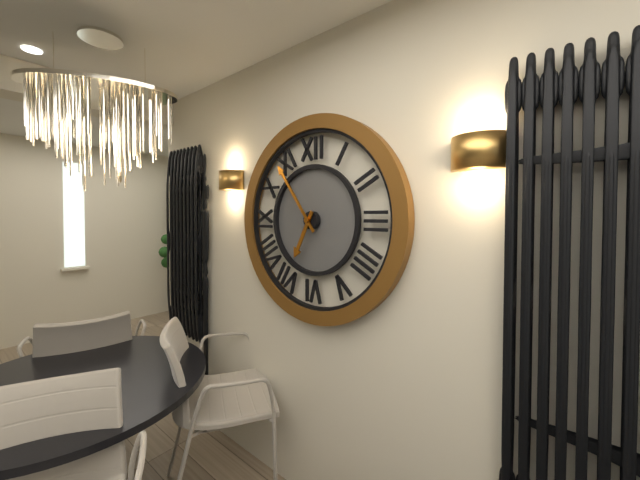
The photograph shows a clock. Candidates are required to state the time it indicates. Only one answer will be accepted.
6:54
